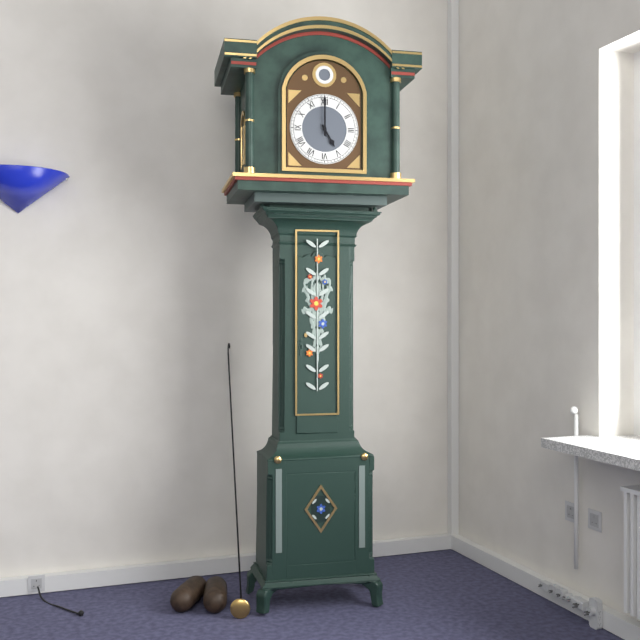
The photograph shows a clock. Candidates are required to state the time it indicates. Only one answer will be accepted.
5:00
